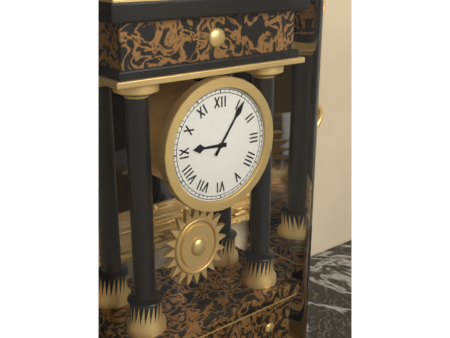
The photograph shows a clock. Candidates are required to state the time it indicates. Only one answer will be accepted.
9:06
